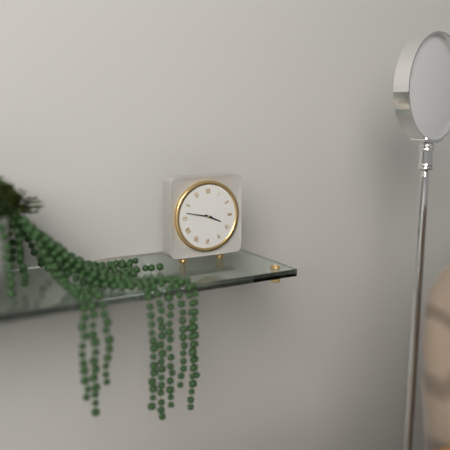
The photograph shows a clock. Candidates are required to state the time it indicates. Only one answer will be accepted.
3:47
